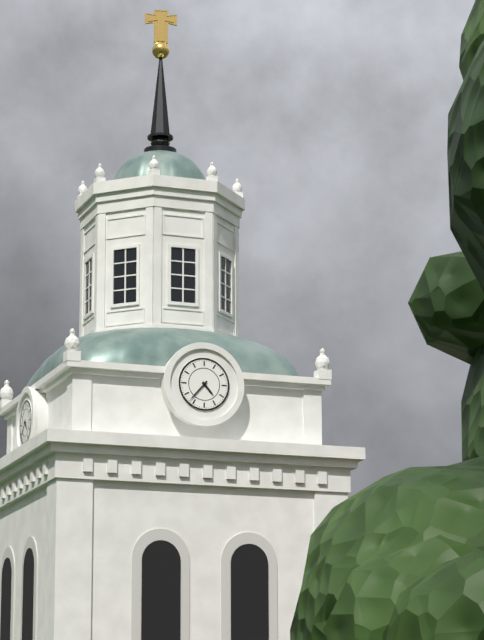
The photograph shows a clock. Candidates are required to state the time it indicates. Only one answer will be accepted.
4:37
